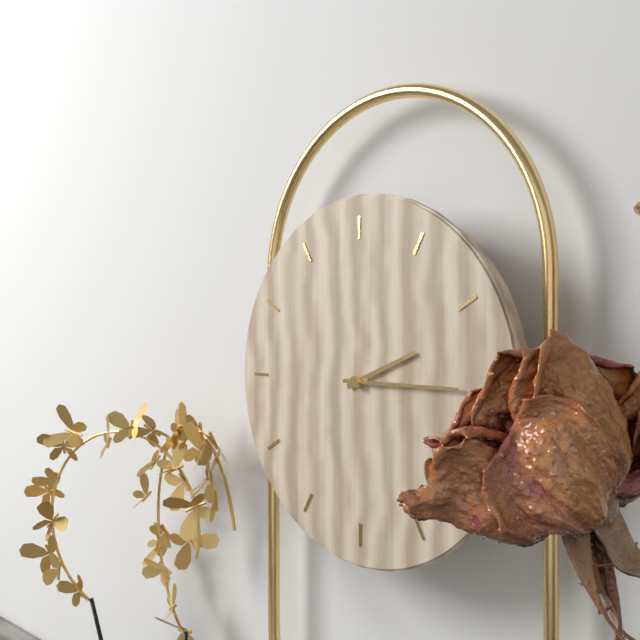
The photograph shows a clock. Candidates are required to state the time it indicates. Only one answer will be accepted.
2:15
